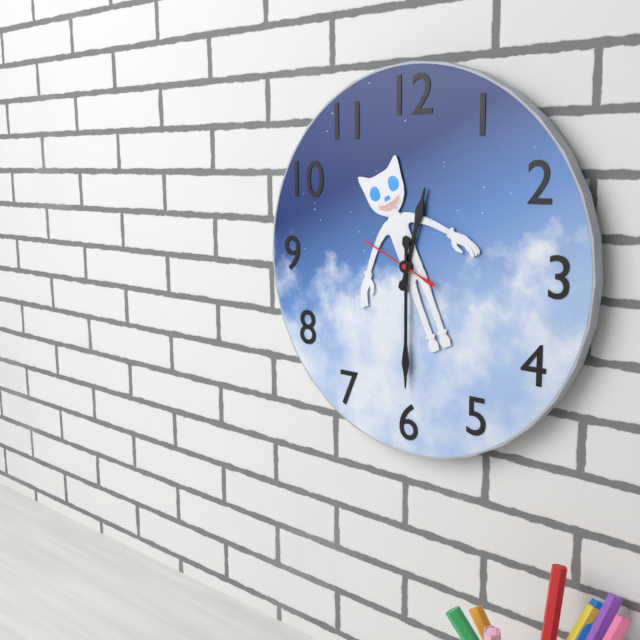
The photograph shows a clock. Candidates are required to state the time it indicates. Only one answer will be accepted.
12:30:49
